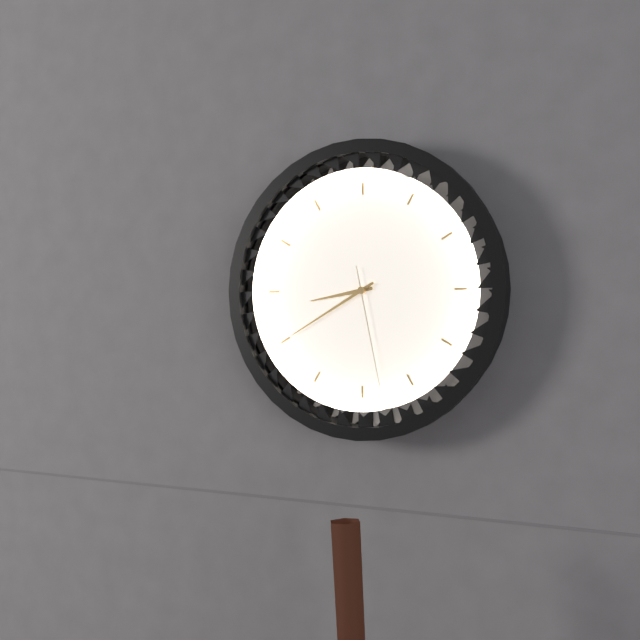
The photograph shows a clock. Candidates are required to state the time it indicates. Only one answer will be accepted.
8:40:28
